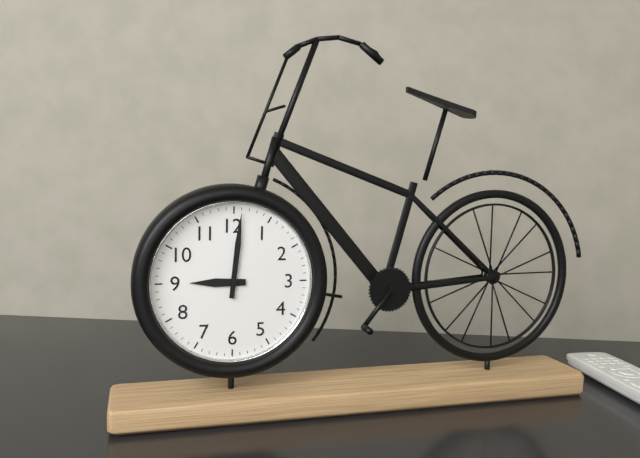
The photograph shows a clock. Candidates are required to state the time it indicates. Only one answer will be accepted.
9:01
